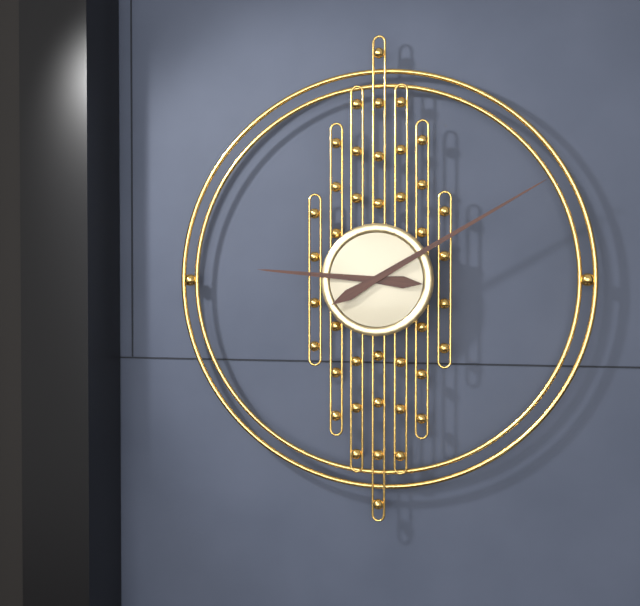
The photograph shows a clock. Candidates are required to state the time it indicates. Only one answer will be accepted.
9:10
